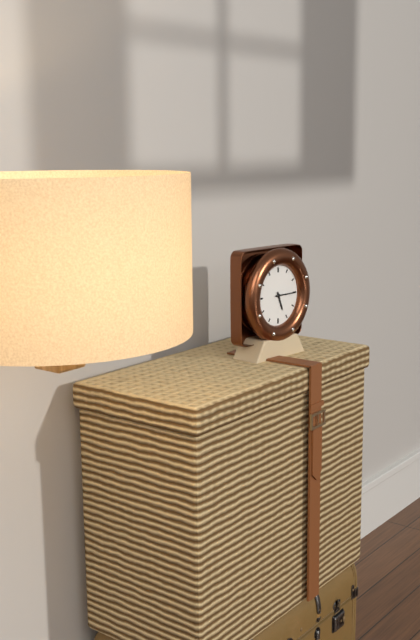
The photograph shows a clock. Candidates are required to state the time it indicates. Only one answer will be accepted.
5:15
